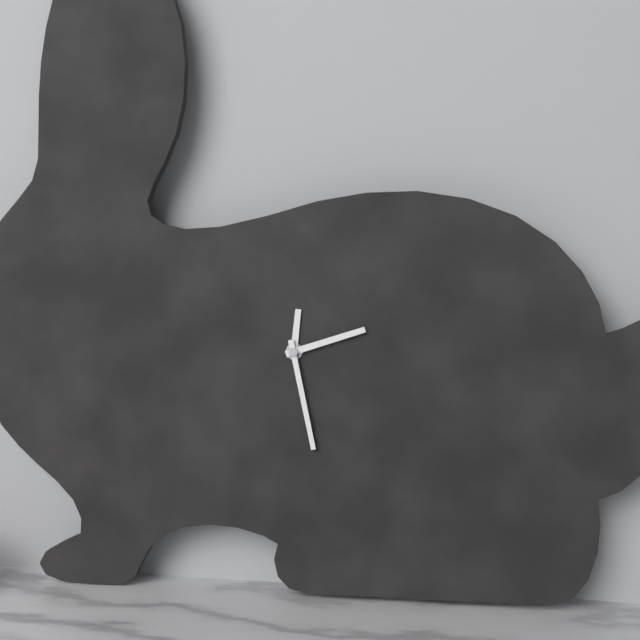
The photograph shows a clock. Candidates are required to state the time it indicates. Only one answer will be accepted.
12:12:28
